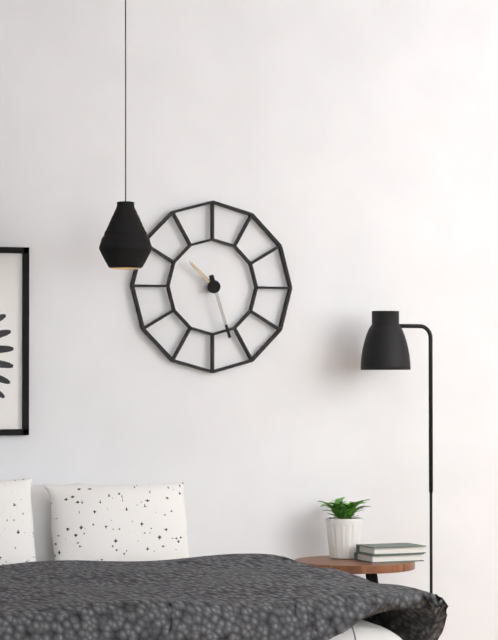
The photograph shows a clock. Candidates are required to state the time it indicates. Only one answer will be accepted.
10:27
